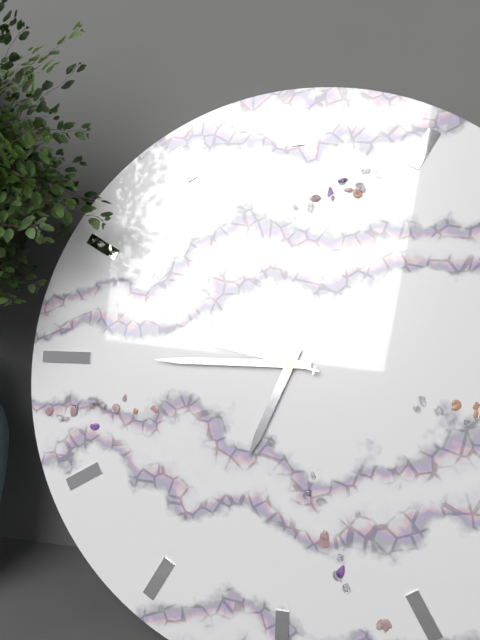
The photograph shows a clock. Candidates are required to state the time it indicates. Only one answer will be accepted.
6:45:47
